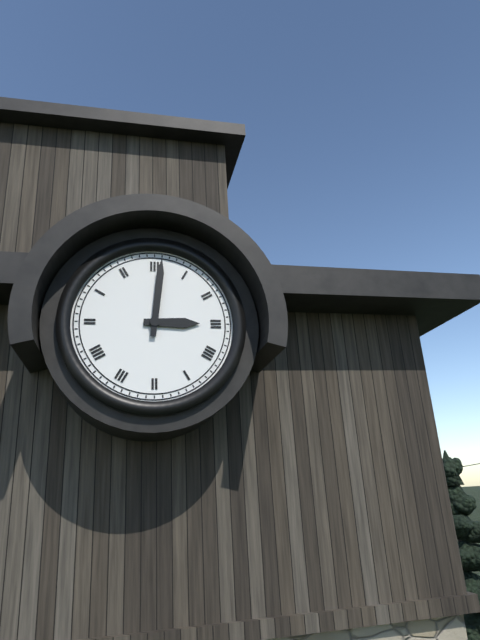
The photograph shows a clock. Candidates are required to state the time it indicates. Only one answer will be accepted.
3:01
